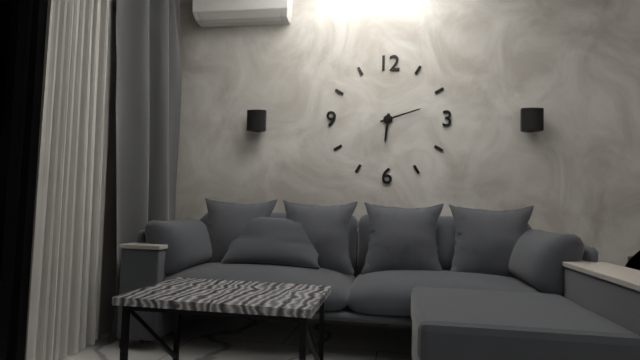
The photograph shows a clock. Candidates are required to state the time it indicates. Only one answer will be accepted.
6:12
